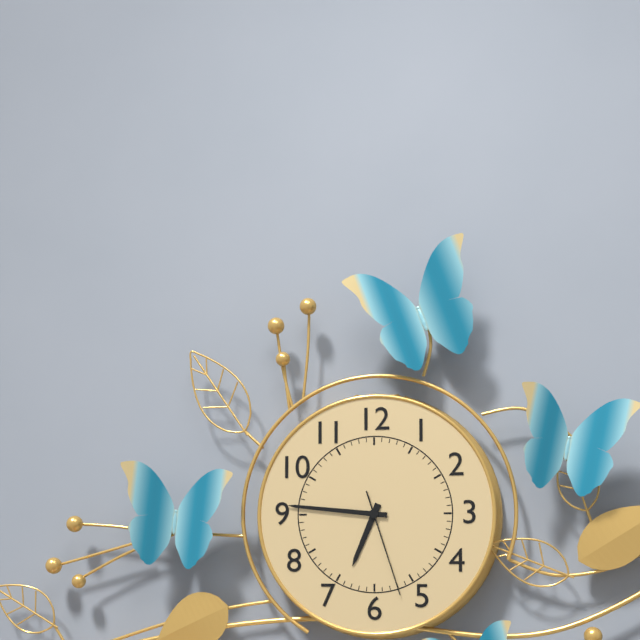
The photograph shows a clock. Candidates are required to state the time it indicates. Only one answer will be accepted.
6:46:27
